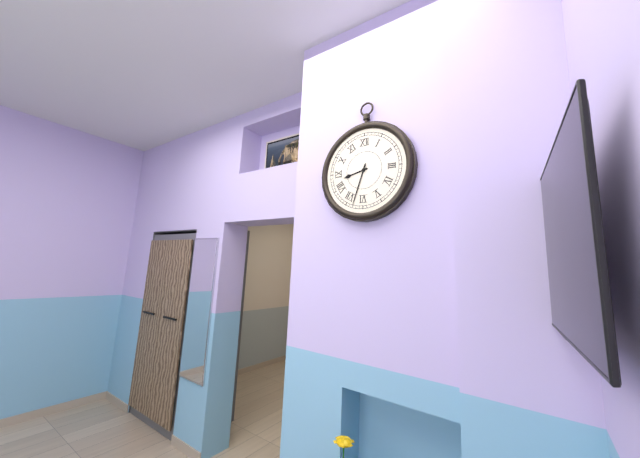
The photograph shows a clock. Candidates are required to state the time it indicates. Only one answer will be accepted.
8:33
